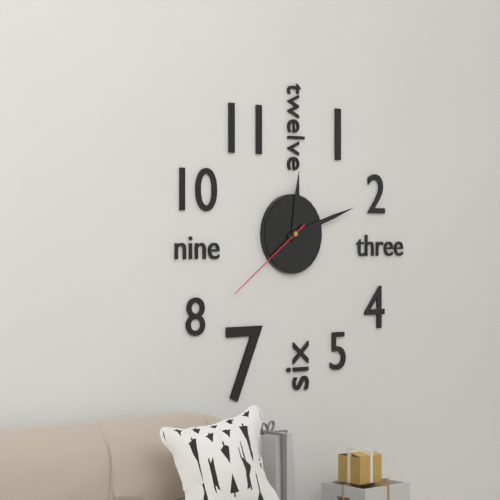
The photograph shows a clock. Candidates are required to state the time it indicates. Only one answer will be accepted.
12:12:39
